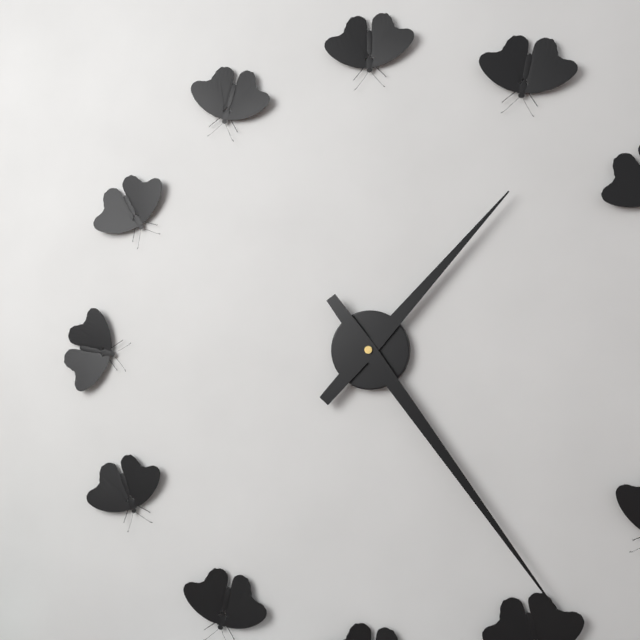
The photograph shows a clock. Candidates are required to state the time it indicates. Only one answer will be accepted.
1:24
